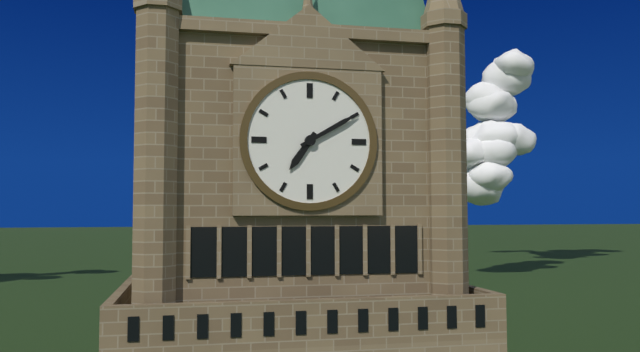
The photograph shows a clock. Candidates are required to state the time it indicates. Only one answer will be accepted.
7:10
